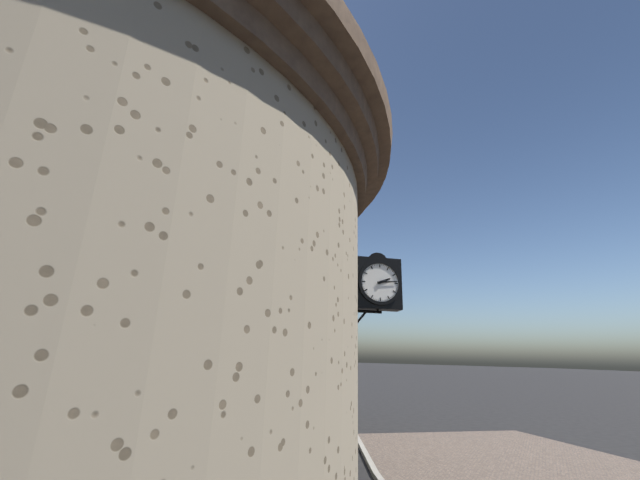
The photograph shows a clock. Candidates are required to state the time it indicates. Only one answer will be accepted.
2:14
